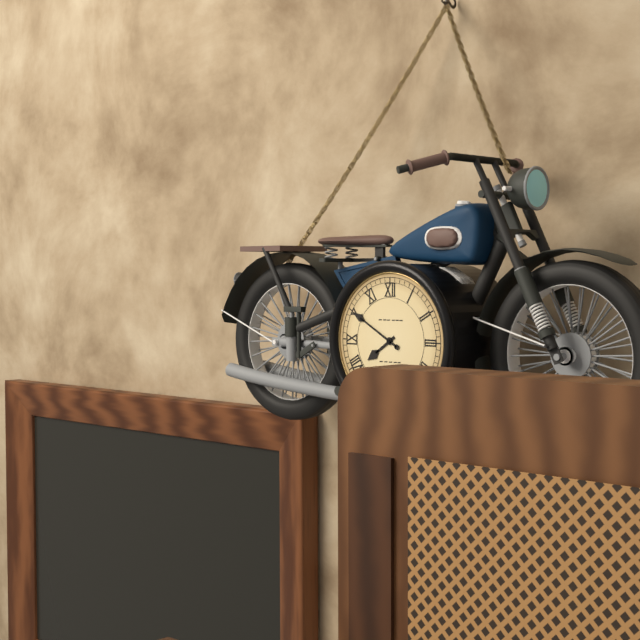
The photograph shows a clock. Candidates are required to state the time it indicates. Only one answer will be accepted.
7:50
